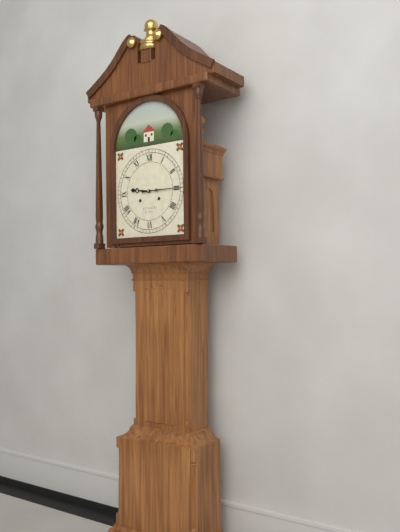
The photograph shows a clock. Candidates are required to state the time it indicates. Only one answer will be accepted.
9:15
